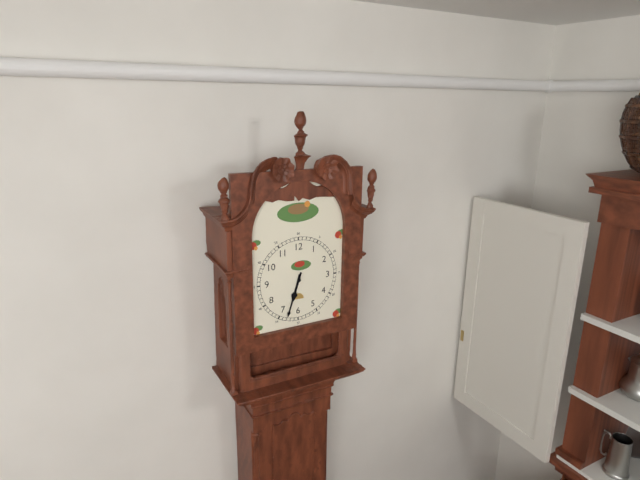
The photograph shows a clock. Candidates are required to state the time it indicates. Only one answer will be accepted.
6:33
